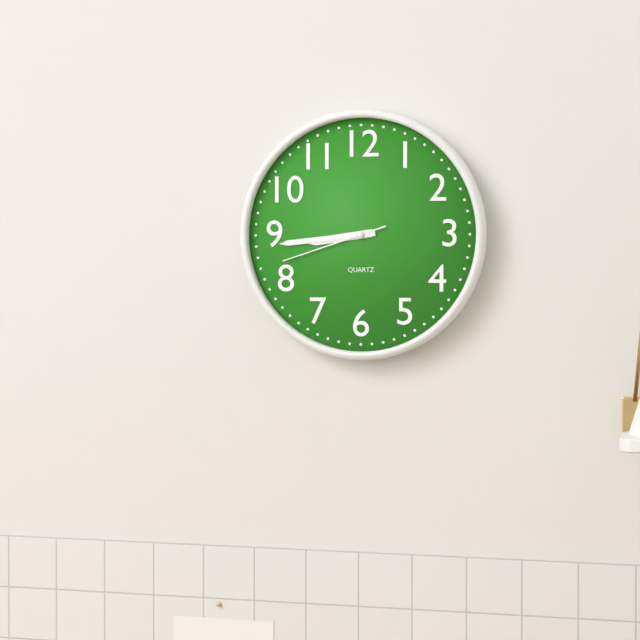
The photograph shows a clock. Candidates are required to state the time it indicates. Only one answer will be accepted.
8:44:42
